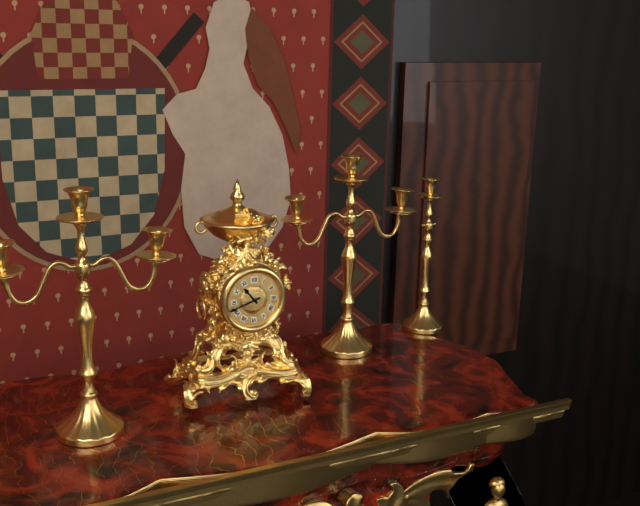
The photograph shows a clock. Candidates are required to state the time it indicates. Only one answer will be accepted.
10:42
